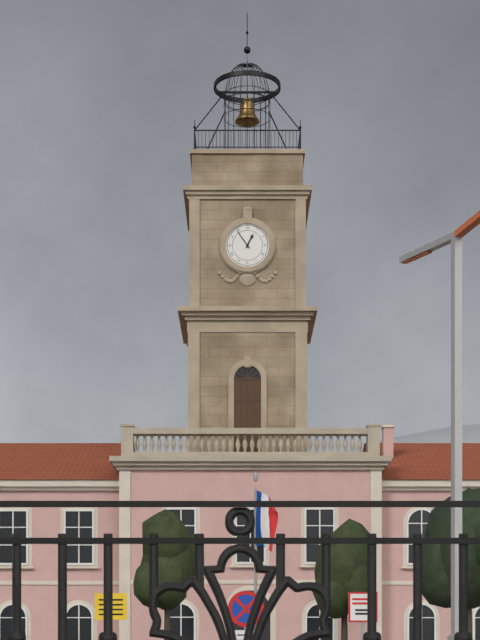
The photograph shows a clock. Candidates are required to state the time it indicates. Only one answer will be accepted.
12:54
